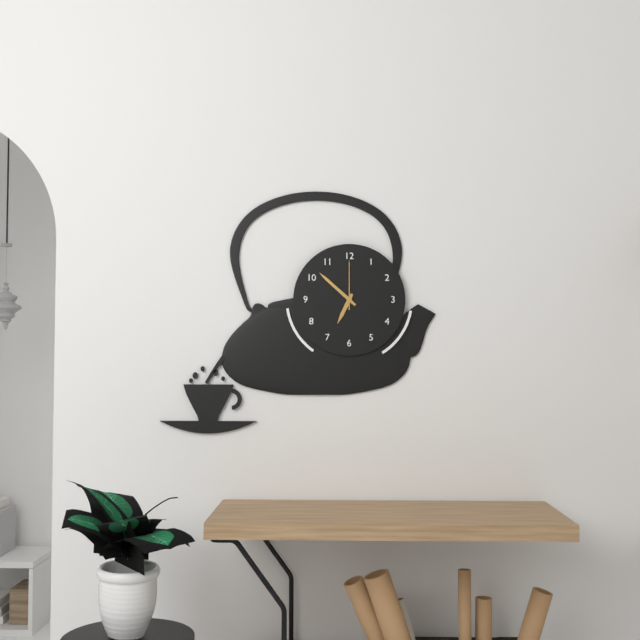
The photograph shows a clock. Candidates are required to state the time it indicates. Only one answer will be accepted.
6:52
